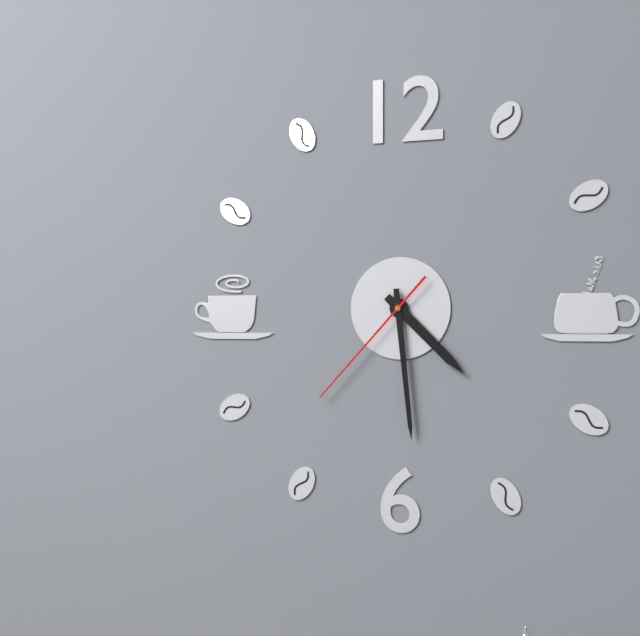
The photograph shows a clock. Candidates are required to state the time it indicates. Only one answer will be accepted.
4:29:37
